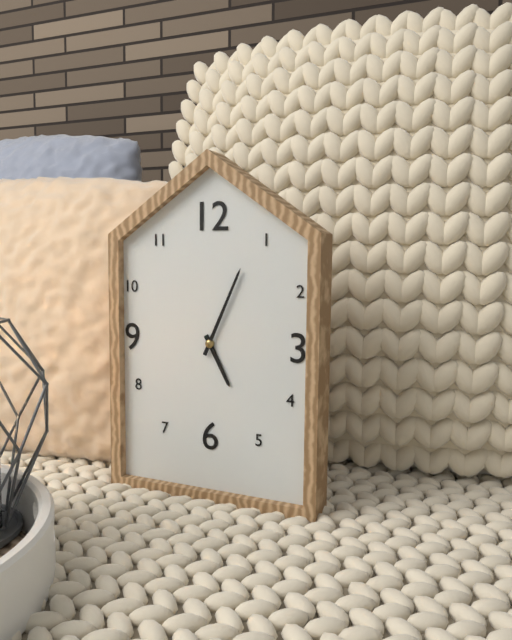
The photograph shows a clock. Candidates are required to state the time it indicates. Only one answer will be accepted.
5:04
